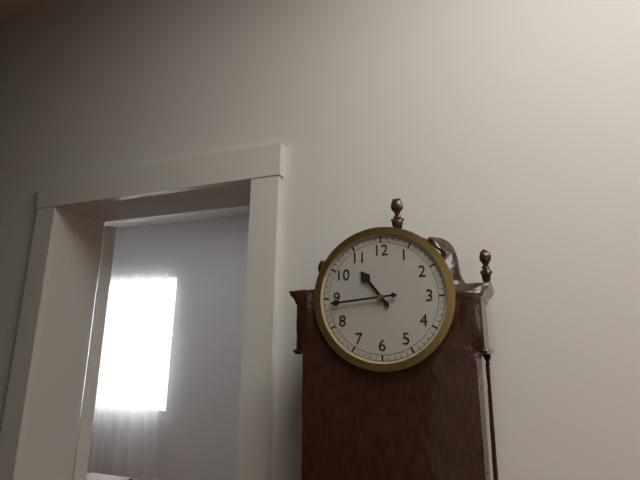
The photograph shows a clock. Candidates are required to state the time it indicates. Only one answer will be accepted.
10:44
